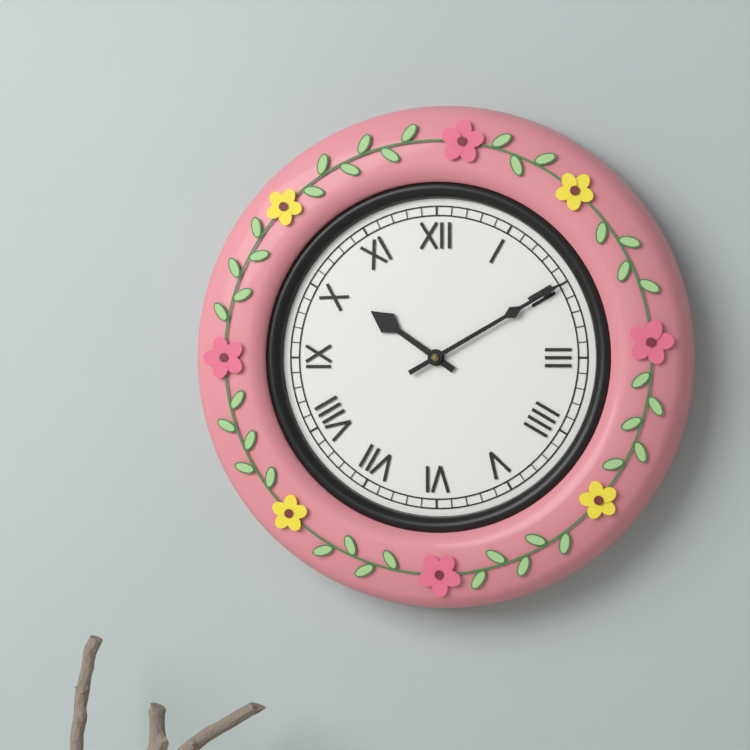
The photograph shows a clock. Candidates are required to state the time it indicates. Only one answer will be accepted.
10:10
